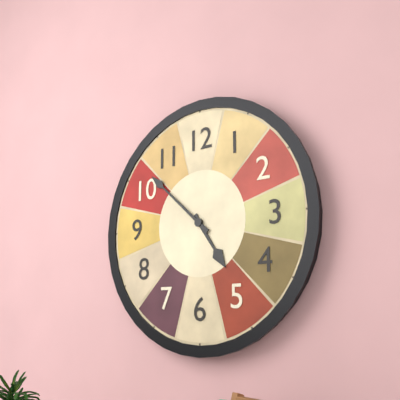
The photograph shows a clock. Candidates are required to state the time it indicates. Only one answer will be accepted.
4:52
